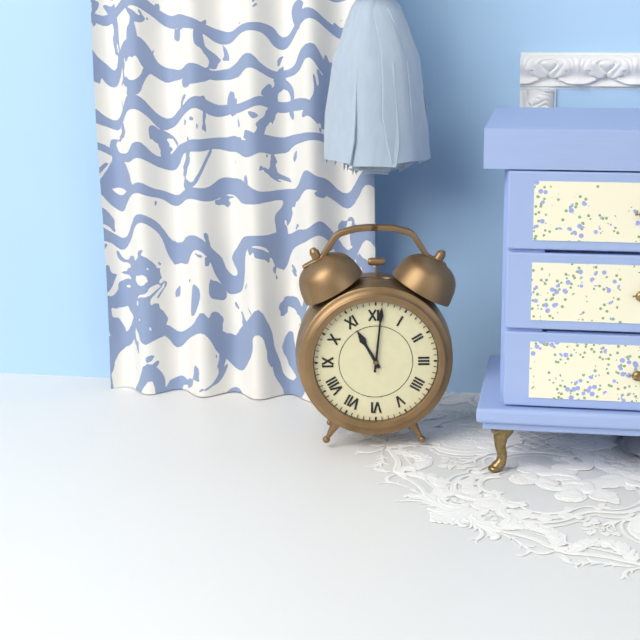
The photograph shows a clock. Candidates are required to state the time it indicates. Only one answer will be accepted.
11:01
